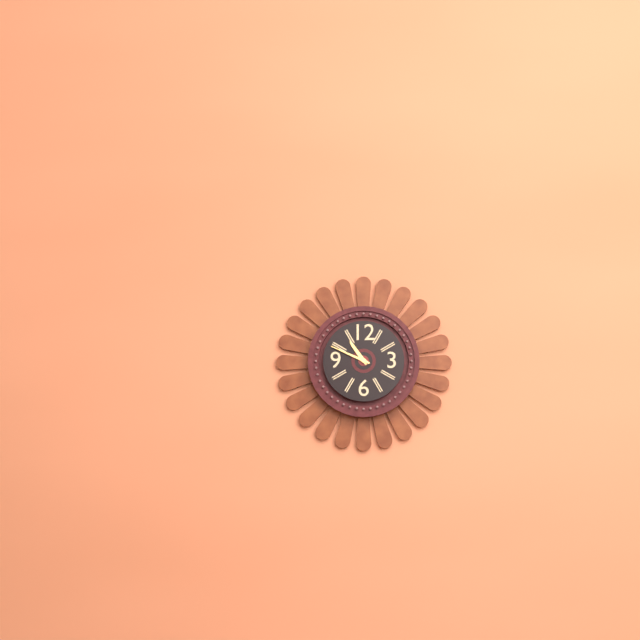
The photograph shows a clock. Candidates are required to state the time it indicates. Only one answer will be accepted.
10:49
